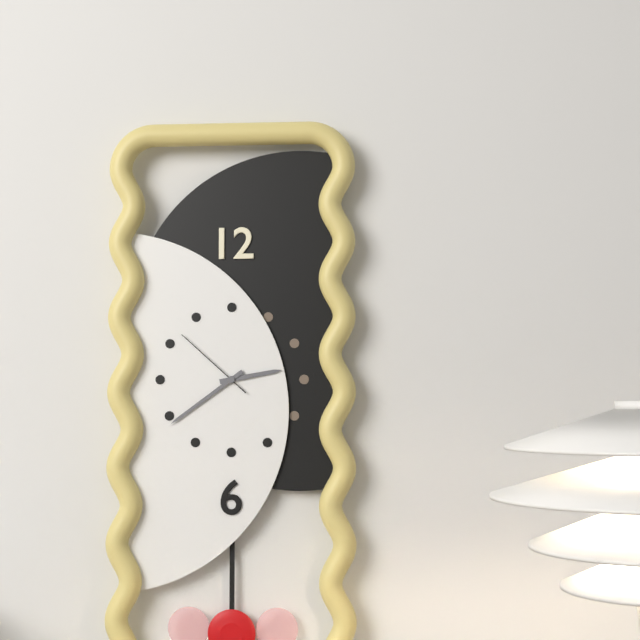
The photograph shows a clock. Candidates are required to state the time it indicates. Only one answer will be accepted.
2:39:52
